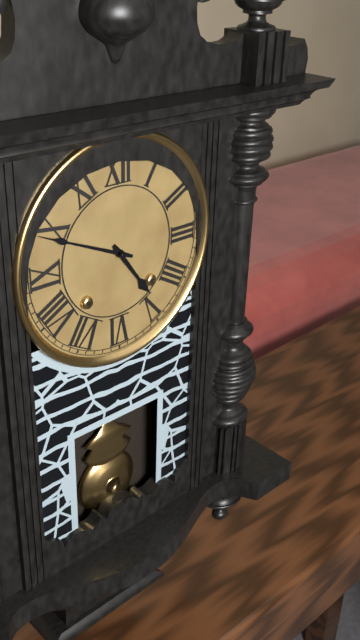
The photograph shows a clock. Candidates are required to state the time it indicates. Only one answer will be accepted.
4:49
